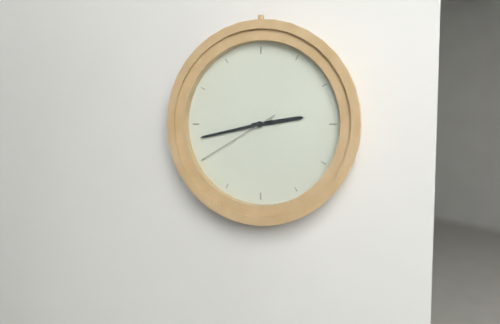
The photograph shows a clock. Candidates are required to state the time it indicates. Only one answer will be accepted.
2:43:40
